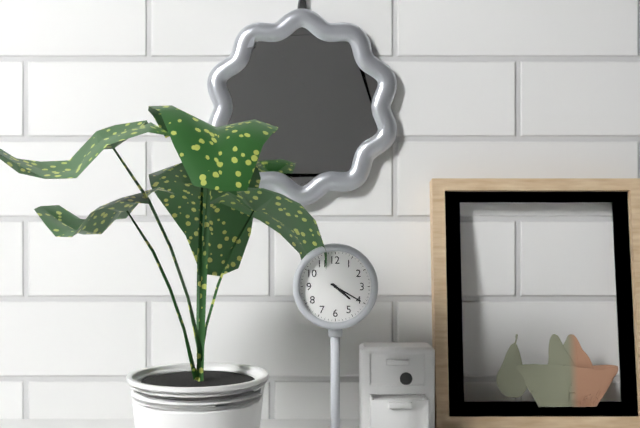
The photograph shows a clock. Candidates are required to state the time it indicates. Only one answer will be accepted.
4:20
